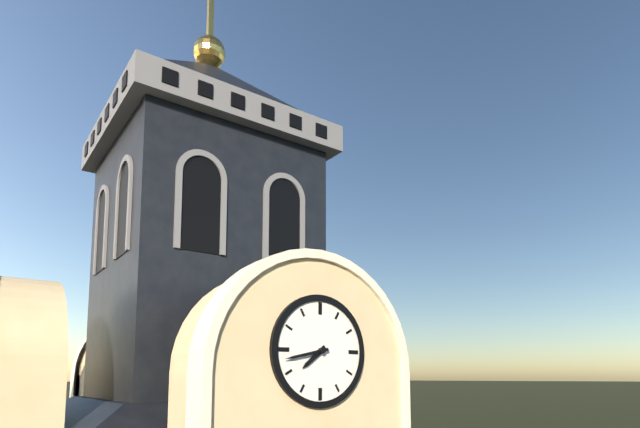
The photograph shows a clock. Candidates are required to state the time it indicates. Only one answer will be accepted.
7:43
